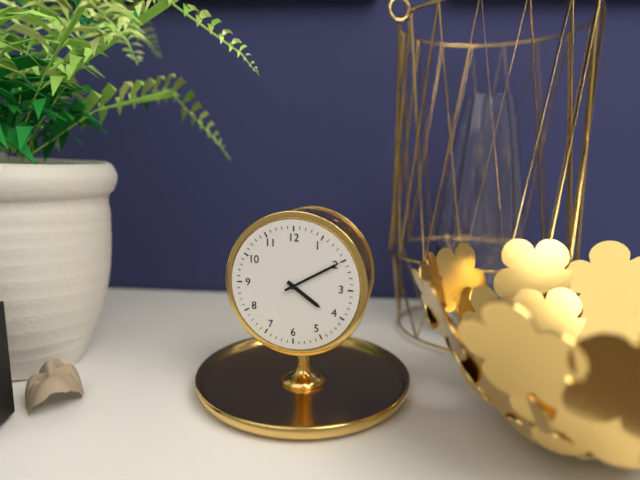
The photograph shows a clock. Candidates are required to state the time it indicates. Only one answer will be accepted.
4:10
